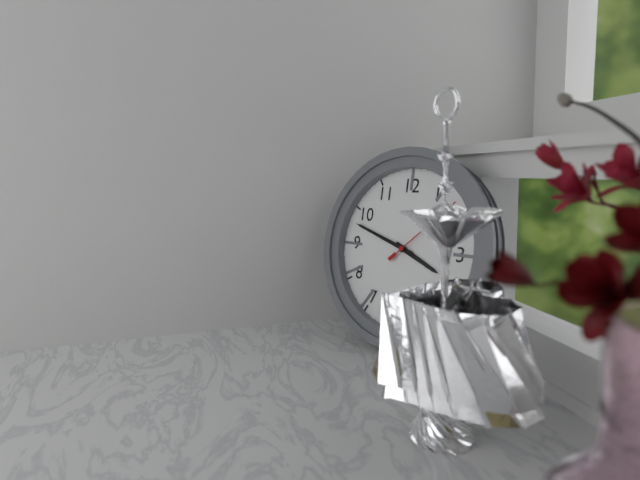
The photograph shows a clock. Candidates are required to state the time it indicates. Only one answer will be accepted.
3:48
